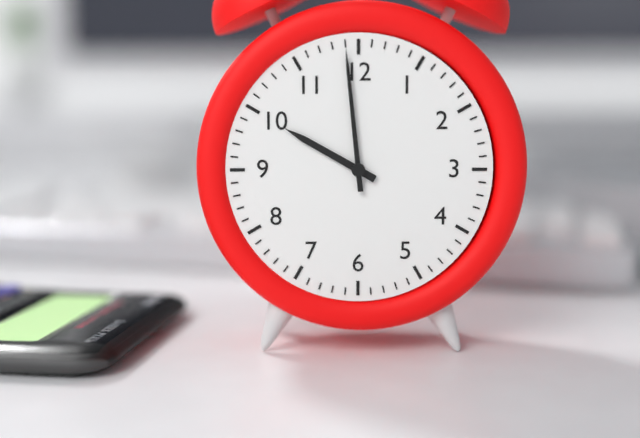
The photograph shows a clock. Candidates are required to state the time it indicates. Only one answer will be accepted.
9:59
